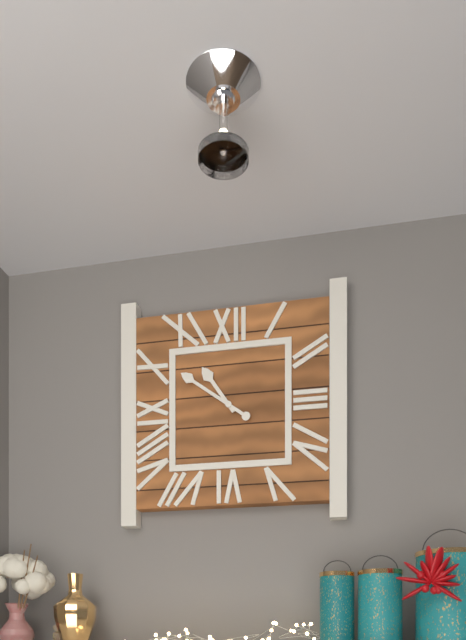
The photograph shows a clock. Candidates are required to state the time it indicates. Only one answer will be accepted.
10:51
